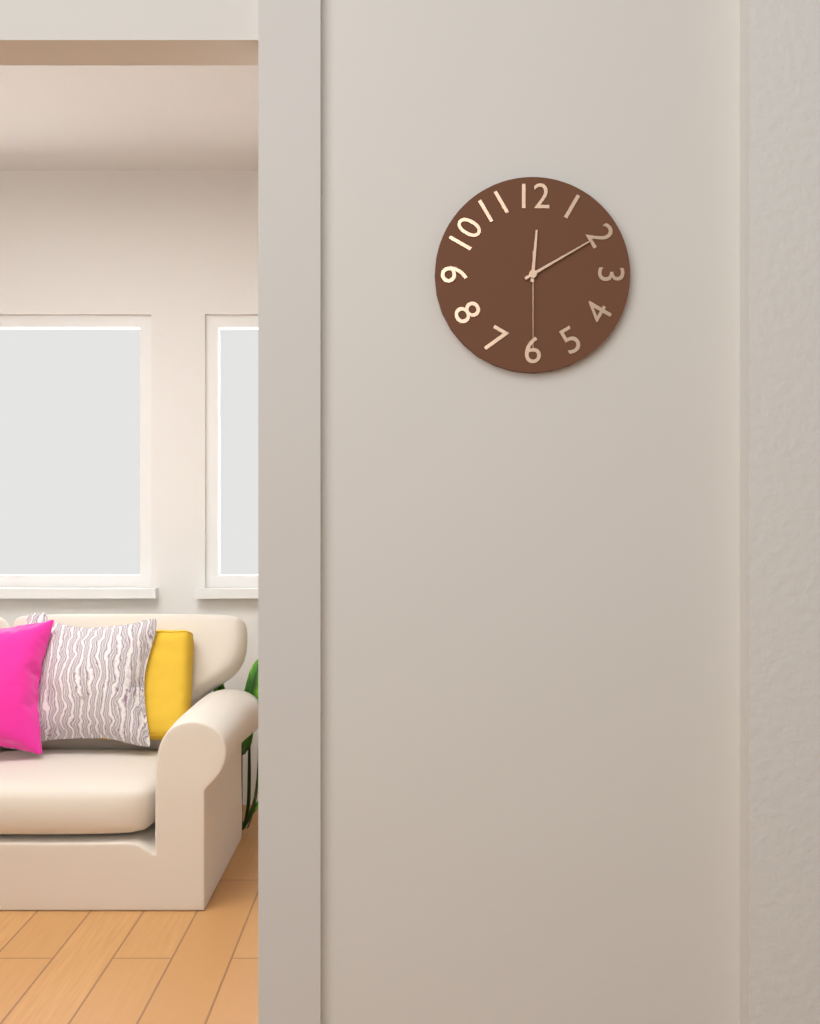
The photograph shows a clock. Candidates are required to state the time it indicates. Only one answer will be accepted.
12:10:30
